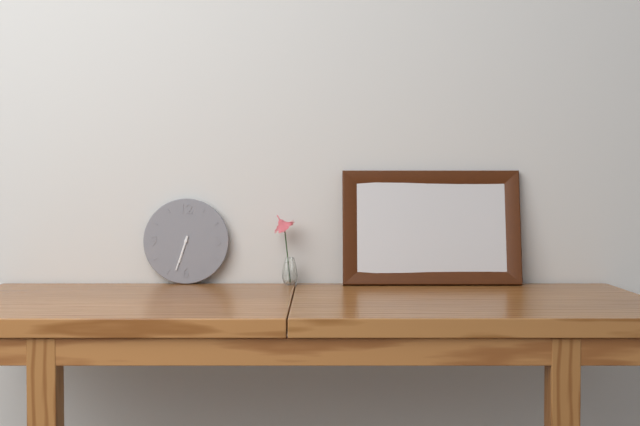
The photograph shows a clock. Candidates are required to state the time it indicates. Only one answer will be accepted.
6:33
